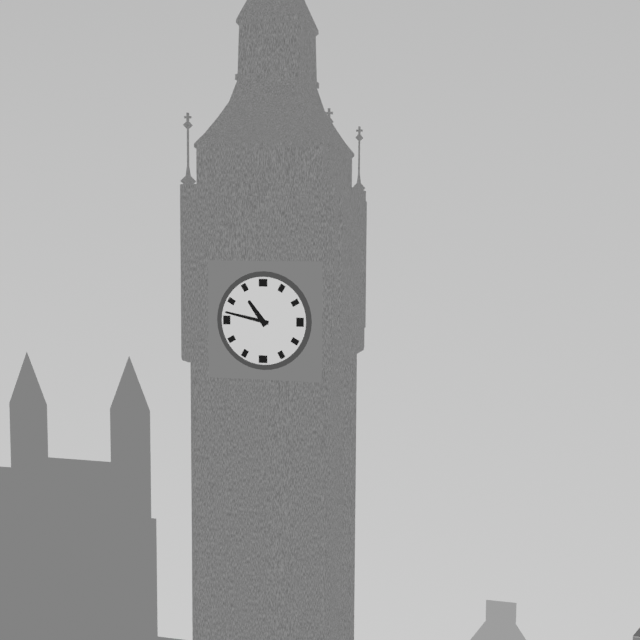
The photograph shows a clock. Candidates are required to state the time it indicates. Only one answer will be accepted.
10:47
